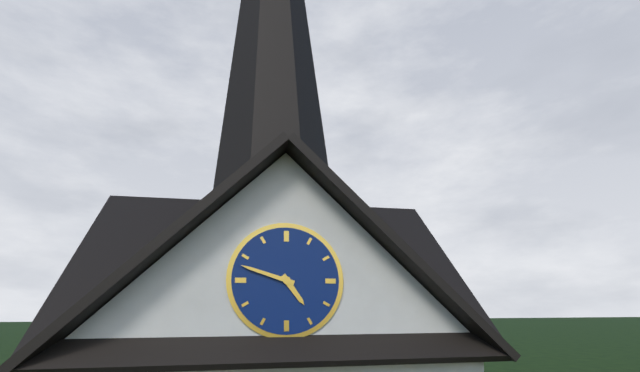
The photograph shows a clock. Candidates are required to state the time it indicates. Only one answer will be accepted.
4:48
